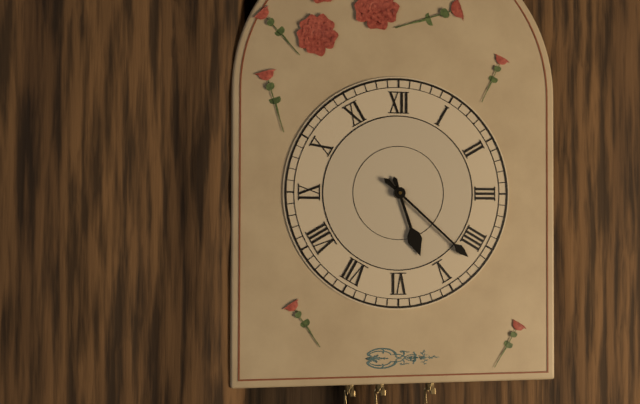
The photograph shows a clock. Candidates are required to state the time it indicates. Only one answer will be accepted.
5:22
